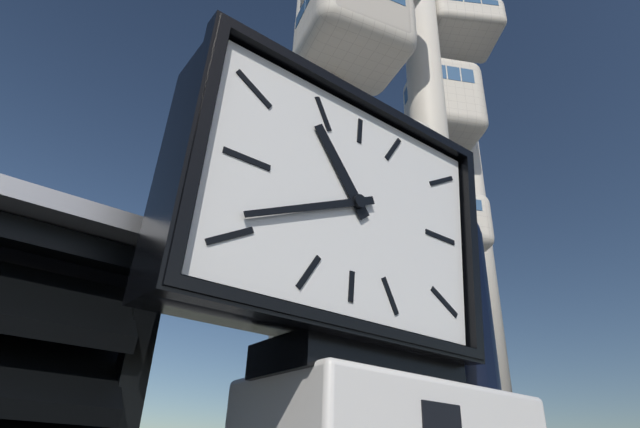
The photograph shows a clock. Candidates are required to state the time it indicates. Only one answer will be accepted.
10:41
